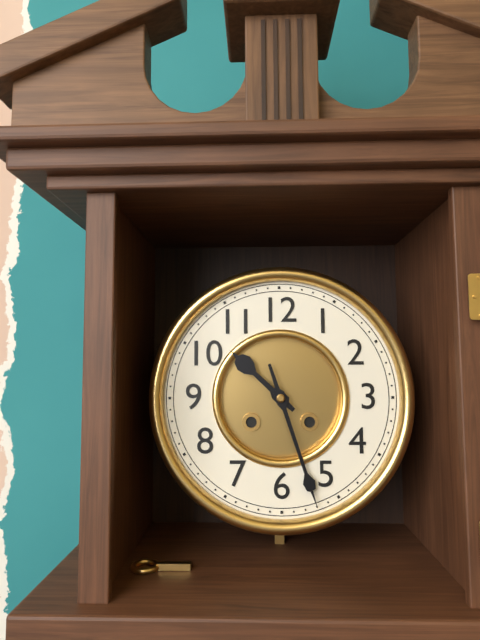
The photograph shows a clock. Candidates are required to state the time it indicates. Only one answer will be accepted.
10:27
